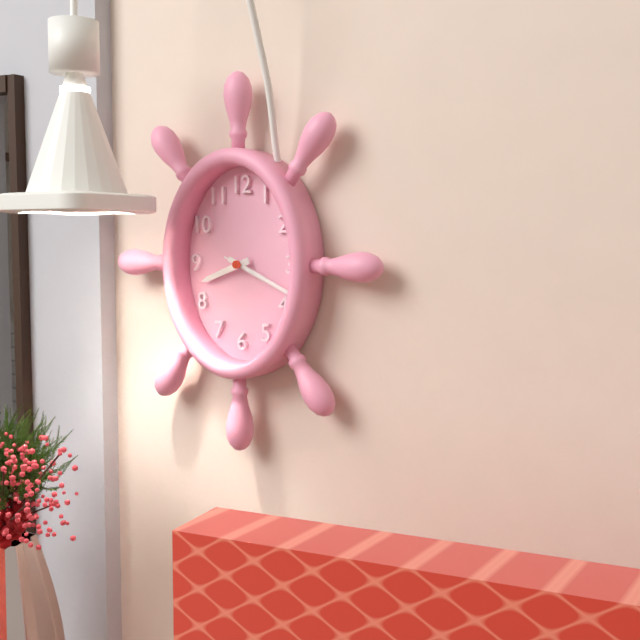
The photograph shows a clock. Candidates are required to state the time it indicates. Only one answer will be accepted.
8:19:19
